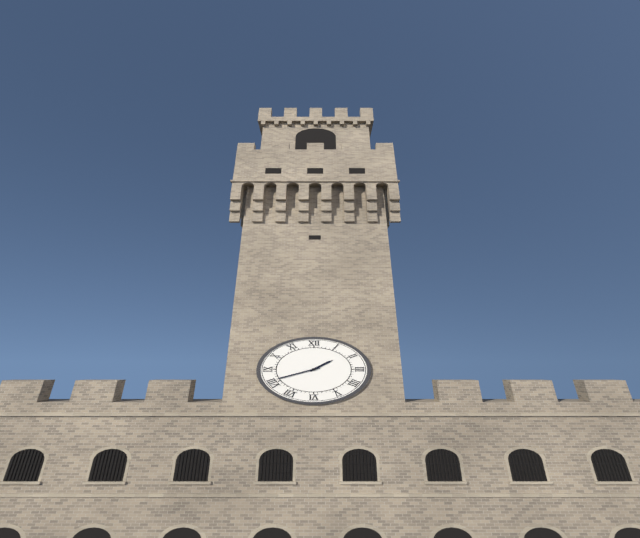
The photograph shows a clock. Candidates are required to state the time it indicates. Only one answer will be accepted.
1:41
